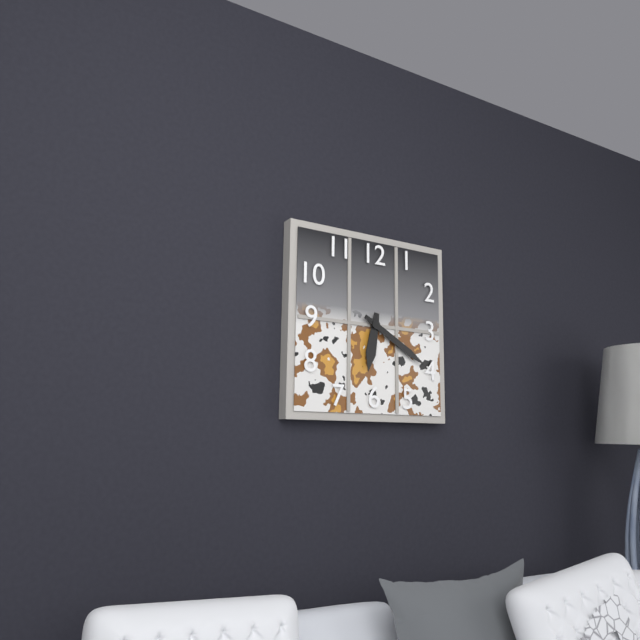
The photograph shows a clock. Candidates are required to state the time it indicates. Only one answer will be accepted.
6:20
